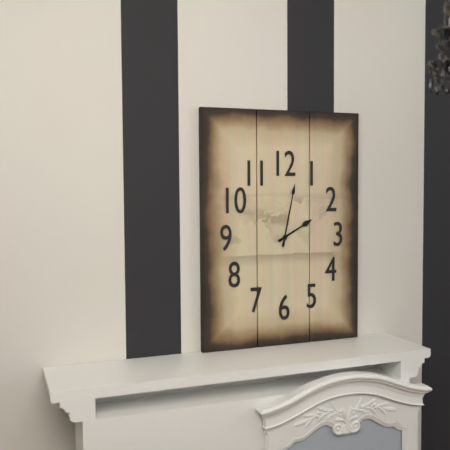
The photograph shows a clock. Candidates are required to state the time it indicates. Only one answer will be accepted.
2:02
